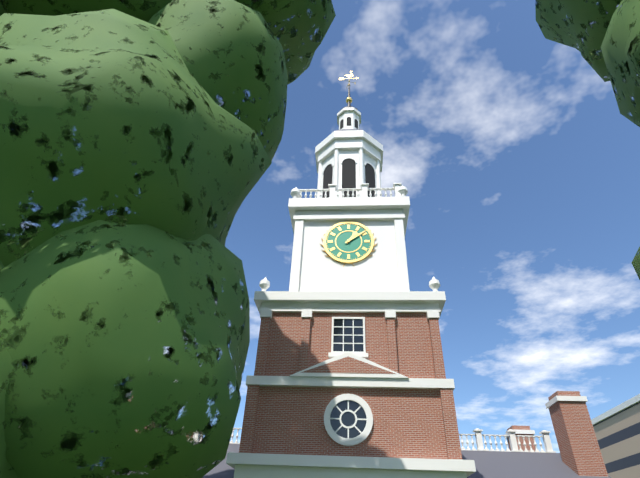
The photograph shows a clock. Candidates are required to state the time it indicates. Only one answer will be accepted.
1:09
